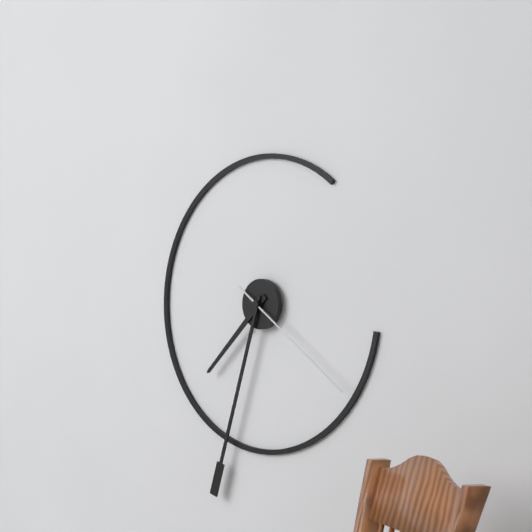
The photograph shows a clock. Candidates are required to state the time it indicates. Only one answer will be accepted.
7:33:21
